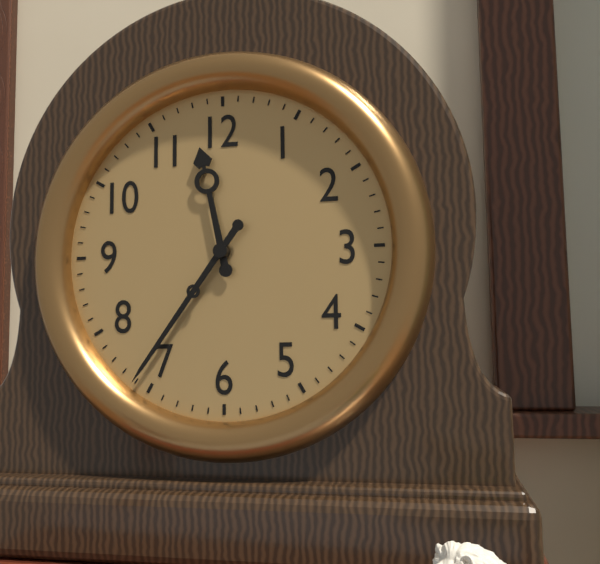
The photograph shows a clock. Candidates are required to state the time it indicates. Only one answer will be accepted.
11:36
